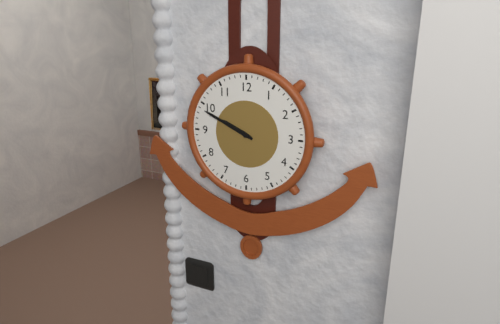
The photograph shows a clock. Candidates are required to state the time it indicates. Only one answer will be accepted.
9:49
